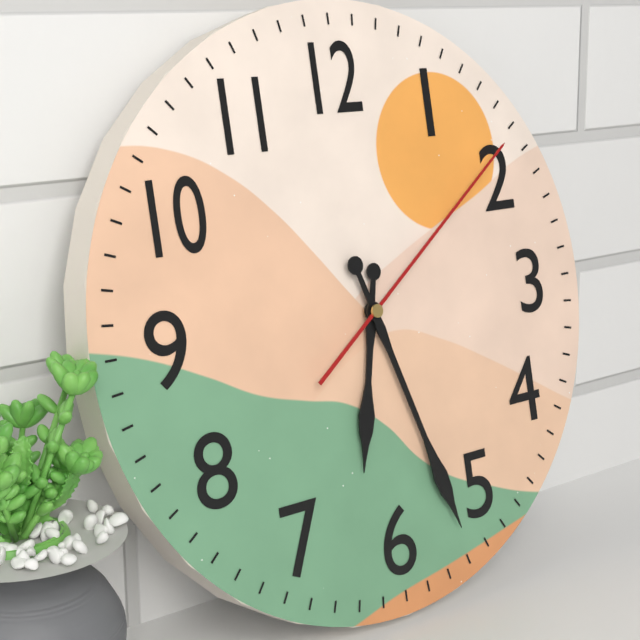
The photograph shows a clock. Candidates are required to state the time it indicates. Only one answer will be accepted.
6:27:09
